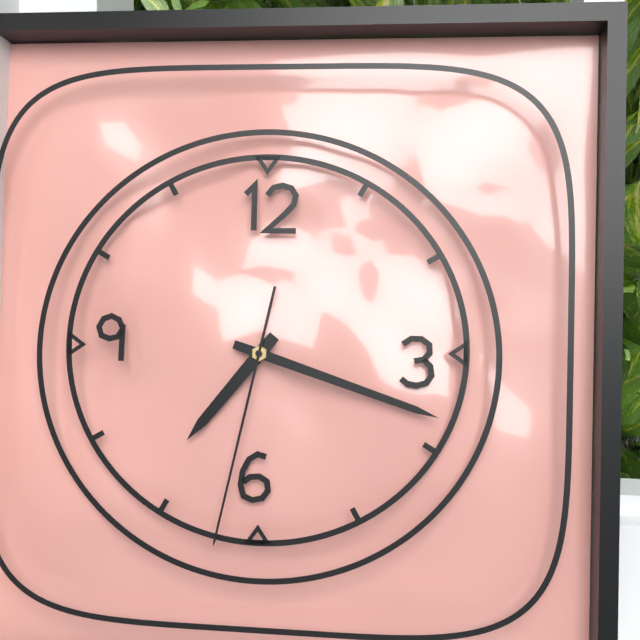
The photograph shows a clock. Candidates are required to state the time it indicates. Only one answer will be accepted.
7:18:32
